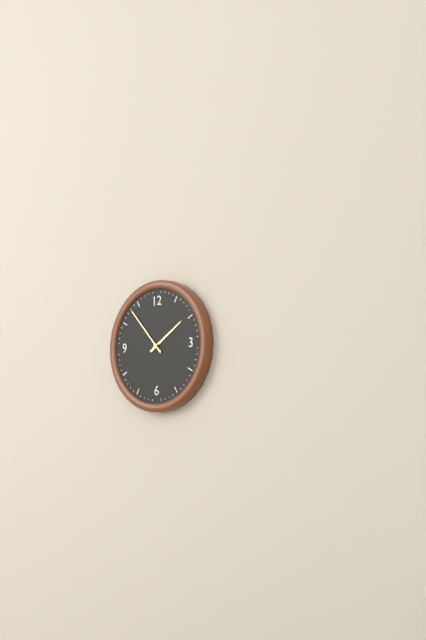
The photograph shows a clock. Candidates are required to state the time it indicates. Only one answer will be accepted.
1:53
